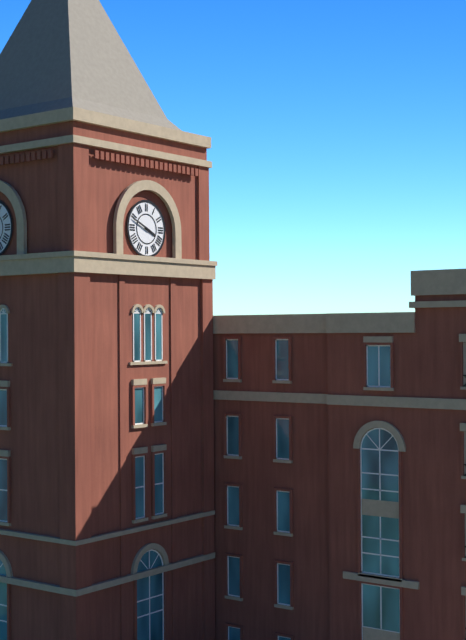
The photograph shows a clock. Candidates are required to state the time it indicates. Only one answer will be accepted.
3:49
